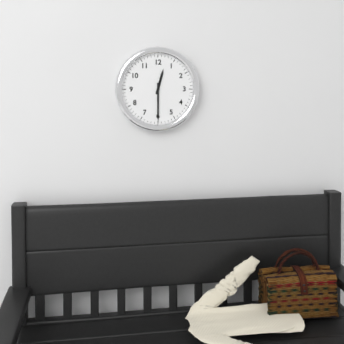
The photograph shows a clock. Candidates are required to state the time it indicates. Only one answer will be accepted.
12:30
